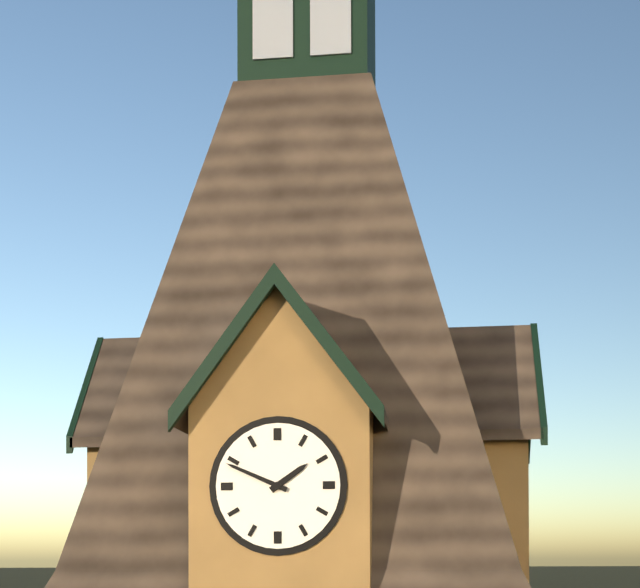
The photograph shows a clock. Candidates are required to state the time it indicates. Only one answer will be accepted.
1:49
